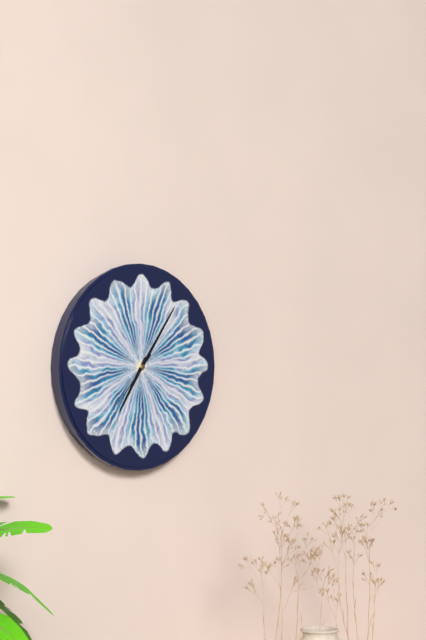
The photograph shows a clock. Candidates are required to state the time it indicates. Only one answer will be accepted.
7:06:37
